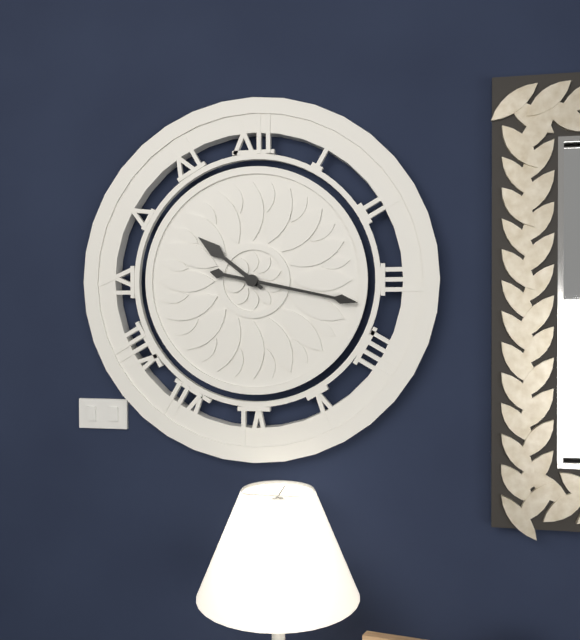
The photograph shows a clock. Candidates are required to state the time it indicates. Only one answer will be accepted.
10:17
